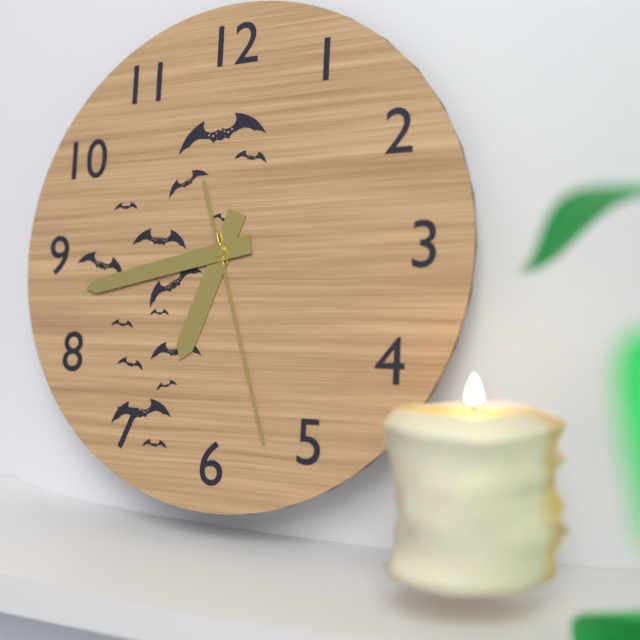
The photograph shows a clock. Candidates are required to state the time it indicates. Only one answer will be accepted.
6:43:27
